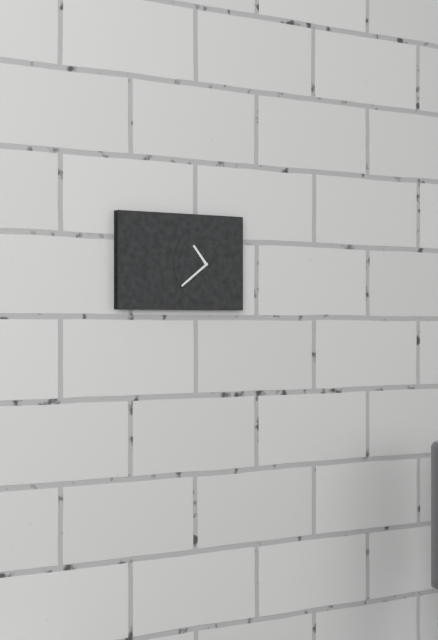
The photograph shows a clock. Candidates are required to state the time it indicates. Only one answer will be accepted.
10:39
